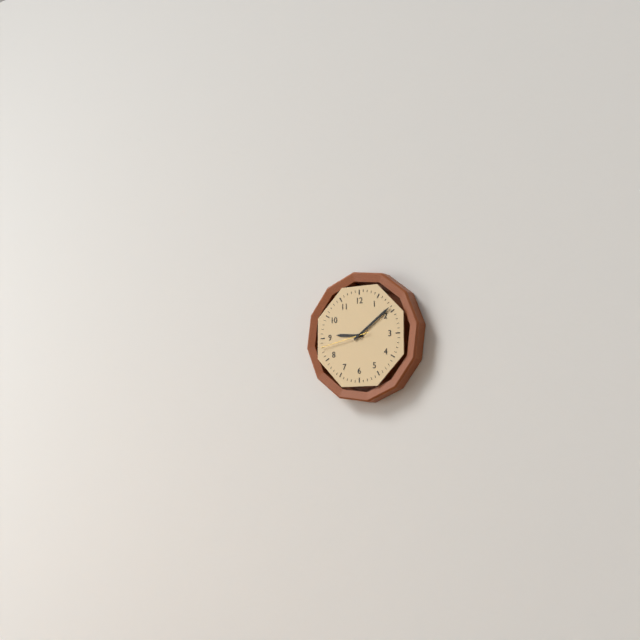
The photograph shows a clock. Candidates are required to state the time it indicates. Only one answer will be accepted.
9:09
